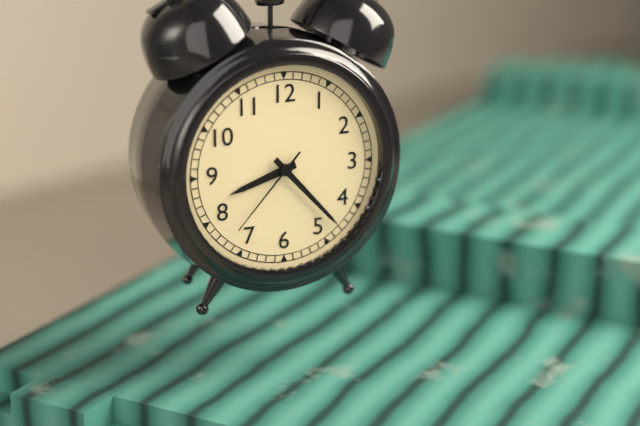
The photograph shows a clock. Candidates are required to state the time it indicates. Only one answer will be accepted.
8:23:37
